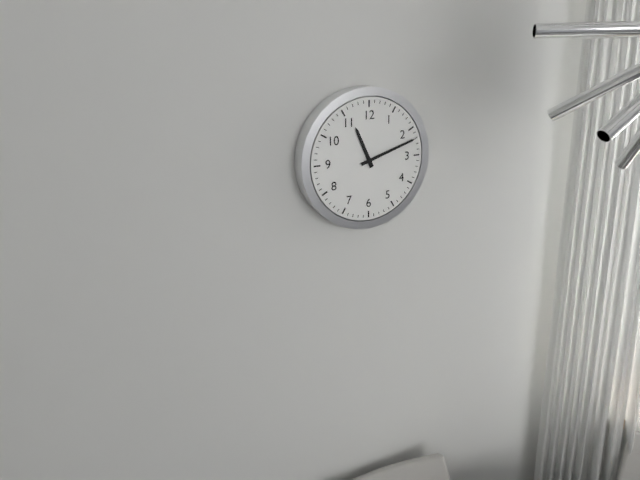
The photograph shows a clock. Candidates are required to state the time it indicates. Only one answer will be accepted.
11:12
